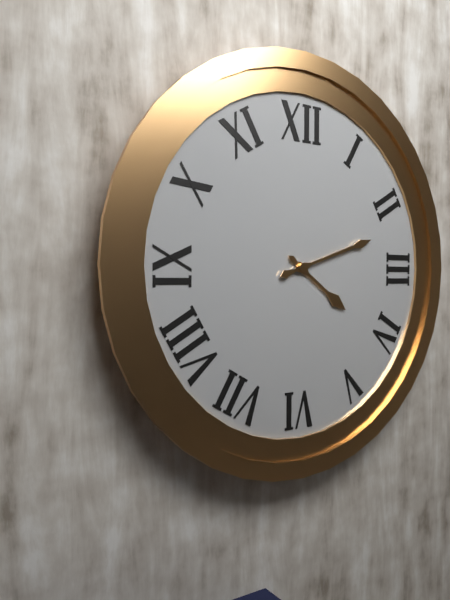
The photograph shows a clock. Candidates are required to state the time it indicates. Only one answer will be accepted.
4:12
